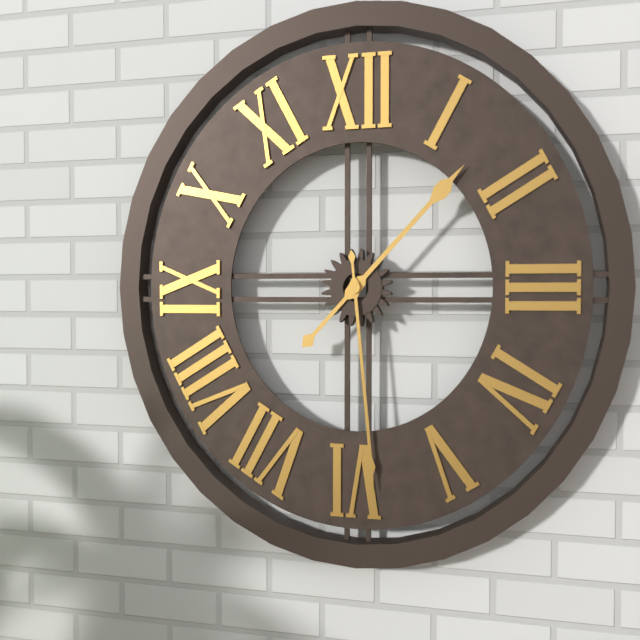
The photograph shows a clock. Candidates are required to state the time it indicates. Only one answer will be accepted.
1:29
